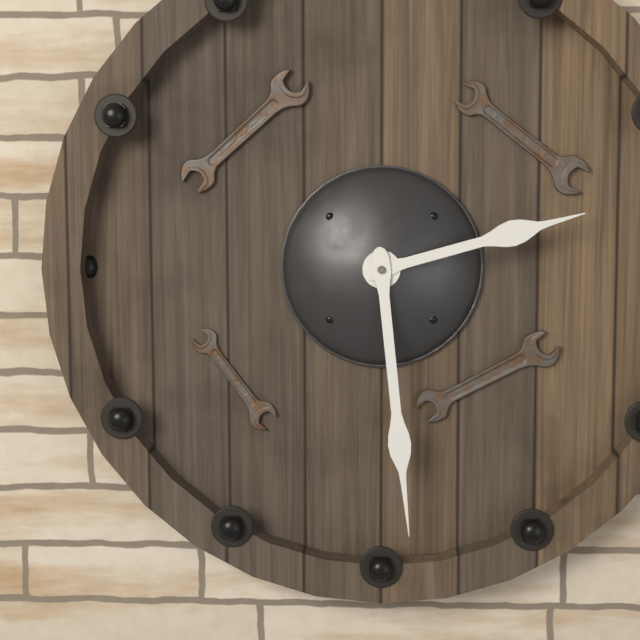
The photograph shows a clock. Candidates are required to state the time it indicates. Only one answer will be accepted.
2:29
